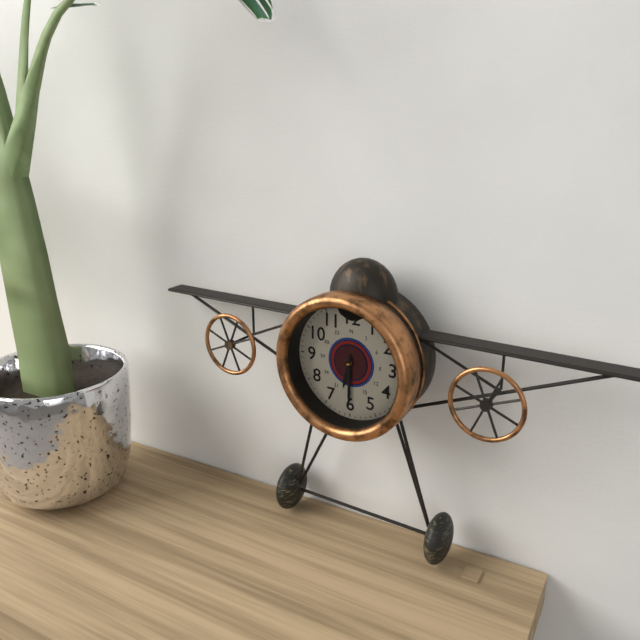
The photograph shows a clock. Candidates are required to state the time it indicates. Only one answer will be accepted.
6:30
